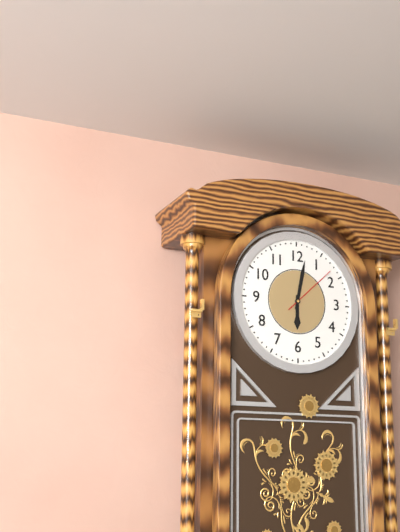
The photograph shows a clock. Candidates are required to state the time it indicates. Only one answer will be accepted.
6:02:08
